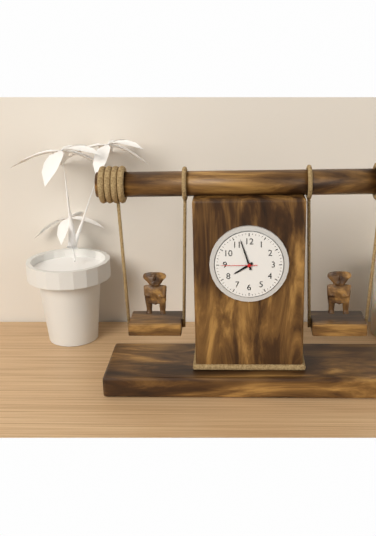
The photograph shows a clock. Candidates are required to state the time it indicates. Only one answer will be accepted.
7:57
